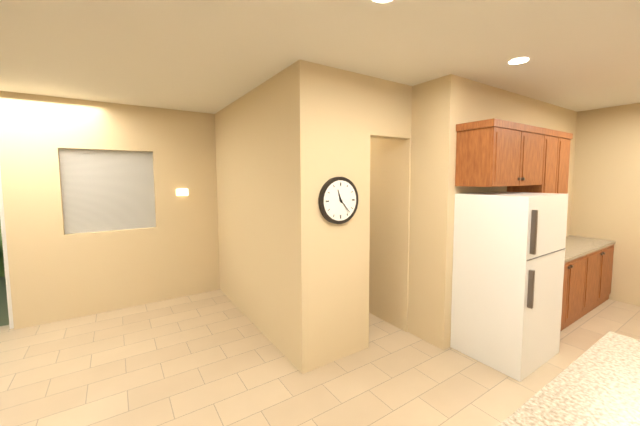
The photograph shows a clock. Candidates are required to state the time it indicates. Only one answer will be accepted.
11:23
